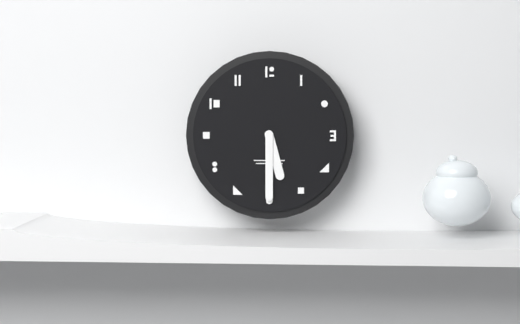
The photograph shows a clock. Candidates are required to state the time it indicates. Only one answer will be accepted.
5:30
